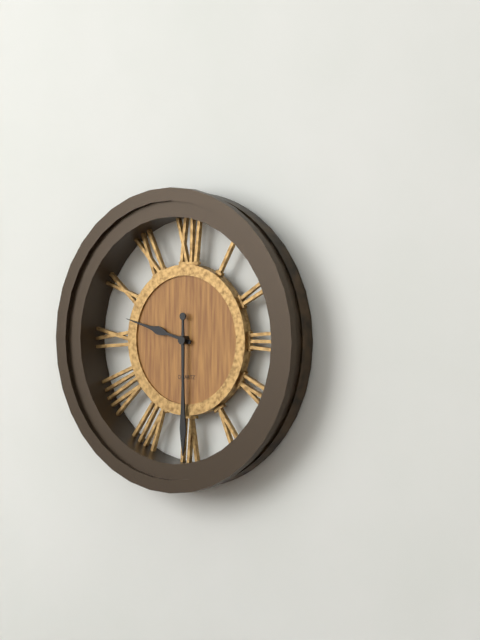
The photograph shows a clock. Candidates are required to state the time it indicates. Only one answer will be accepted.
9:30
